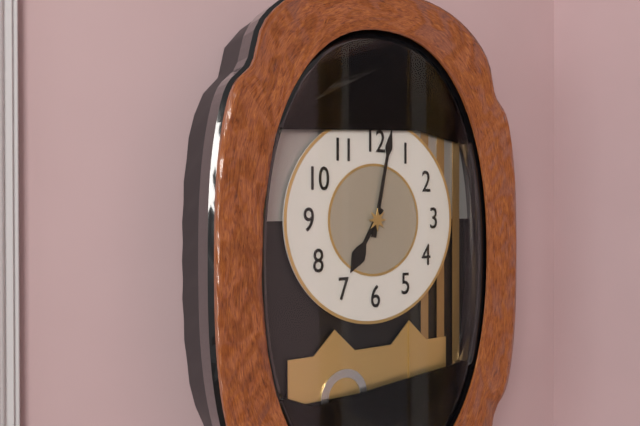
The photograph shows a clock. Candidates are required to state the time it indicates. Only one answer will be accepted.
7:02
